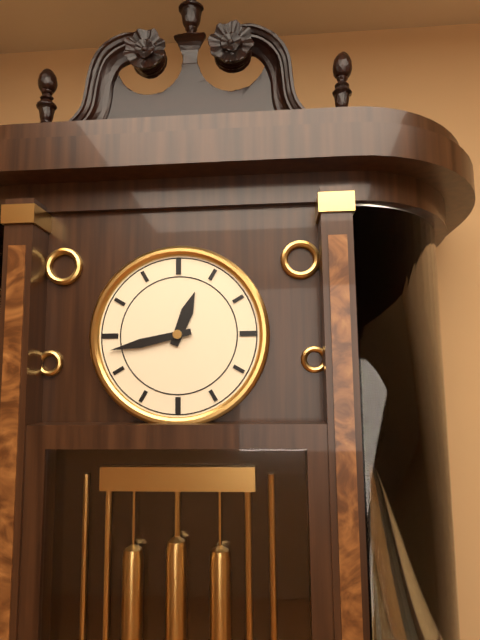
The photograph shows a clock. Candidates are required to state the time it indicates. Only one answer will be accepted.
12:43
